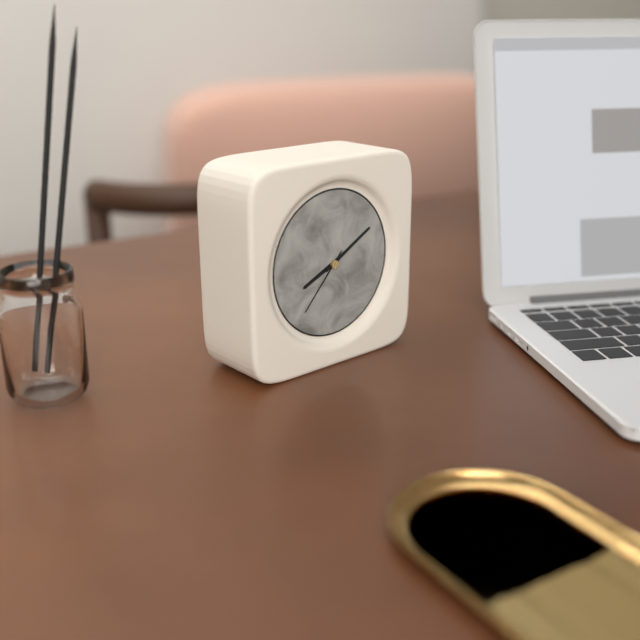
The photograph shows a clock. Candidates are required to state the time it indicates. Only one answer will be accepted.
8:10:37
